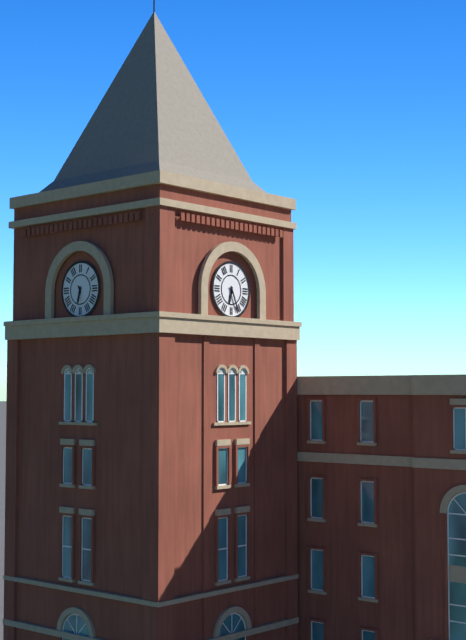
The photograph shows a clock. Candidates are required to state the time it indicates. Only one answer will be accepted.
6:26
